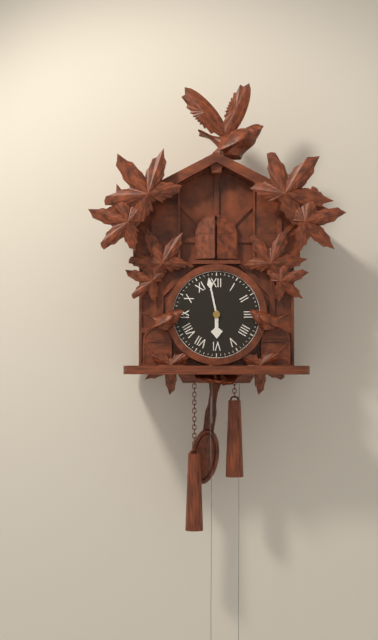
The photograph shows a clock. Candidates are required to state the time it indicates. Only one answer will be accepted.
5:58
